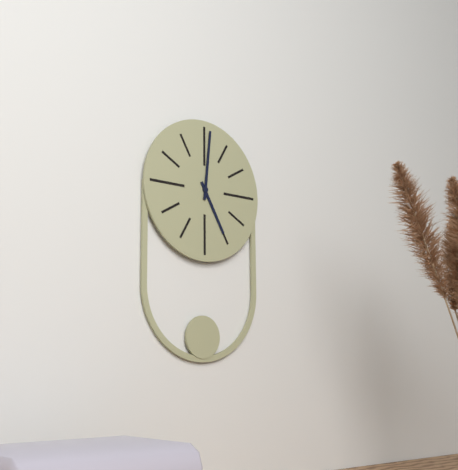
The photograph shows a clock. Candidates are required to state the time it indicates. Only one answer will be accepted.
5:01
